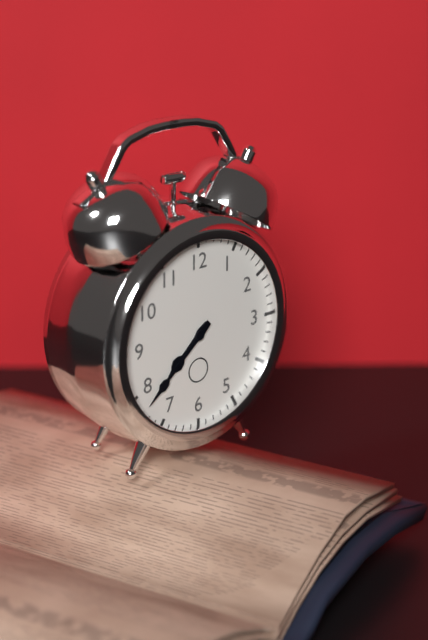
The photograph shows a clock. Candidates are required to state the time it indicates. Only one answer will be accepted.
7:38
